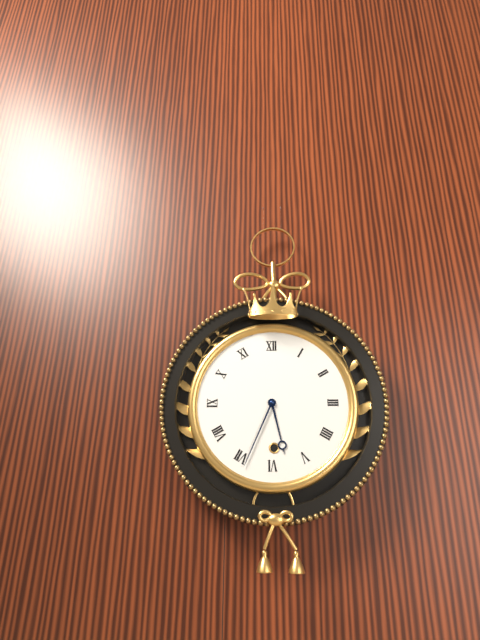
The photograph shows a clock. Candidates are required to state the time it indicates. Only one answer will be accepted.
5:34
